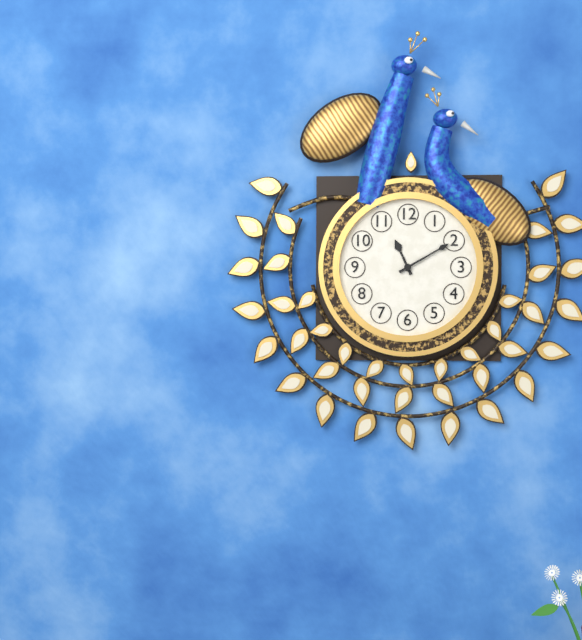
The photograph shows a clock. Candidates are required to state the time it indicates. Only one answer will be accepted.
11:10
